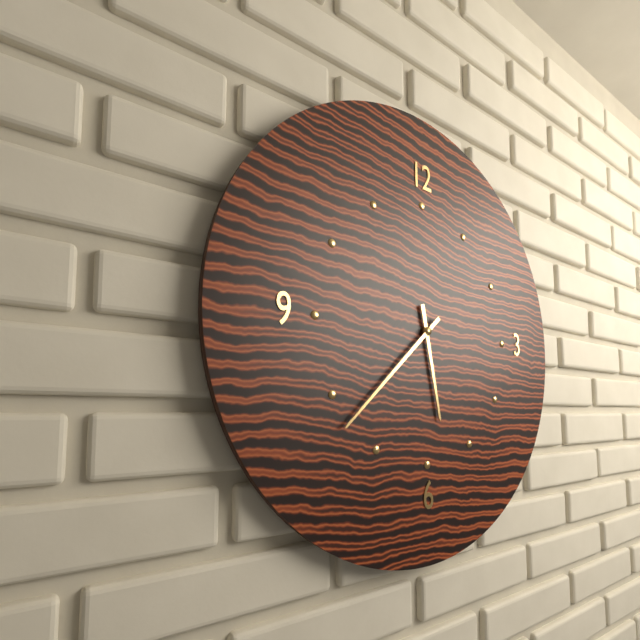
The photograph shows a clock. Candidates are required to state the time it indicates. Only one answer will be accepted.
5:38
